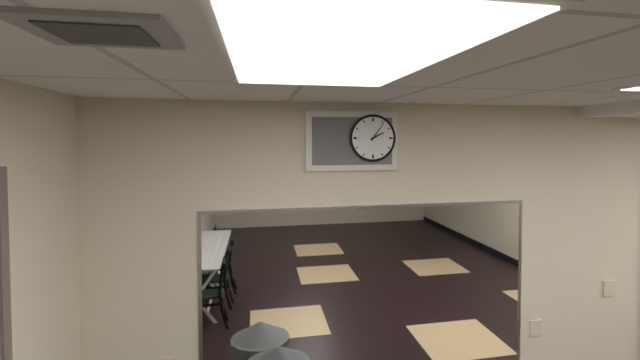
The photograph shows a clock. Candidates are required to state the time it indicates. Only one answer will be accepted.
2:06
